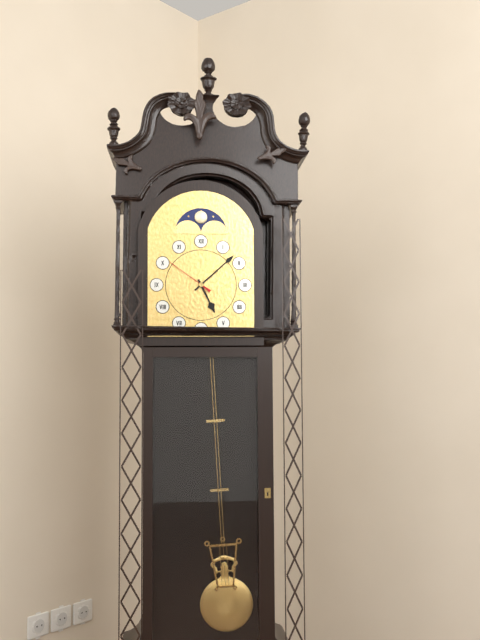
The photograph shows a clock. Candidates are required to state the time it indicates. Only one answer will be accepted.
5:08
